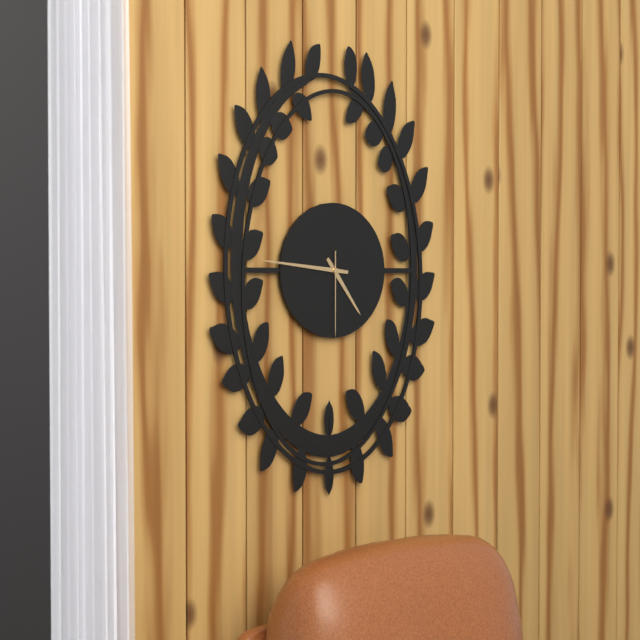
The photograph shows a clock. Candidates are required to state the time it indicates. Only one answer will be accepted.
4:46:30
